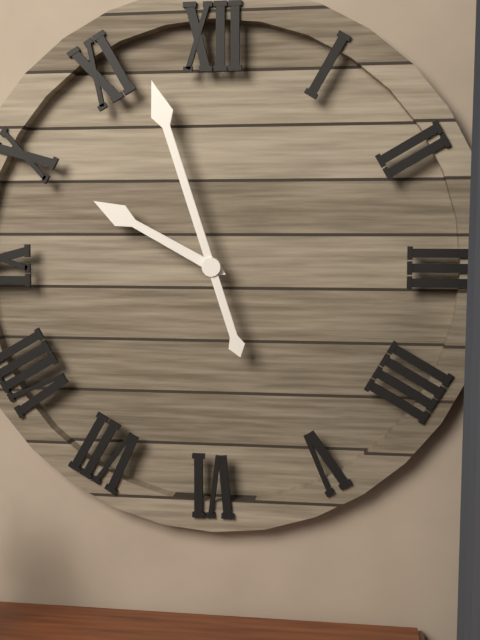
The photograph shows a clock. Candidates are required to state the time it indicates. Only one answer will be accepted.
9:57
